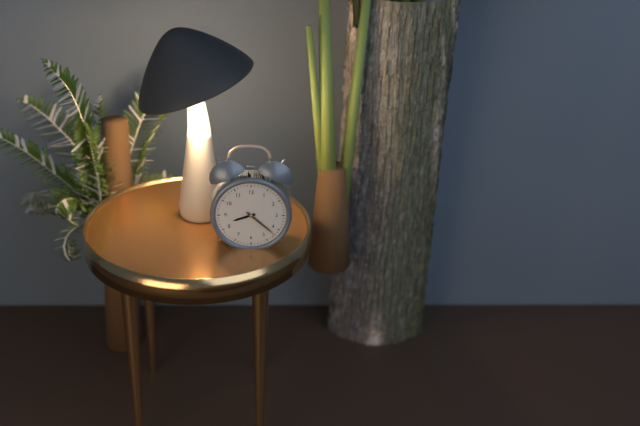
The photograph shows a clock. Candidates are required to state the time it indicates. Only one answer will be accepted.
8:22
